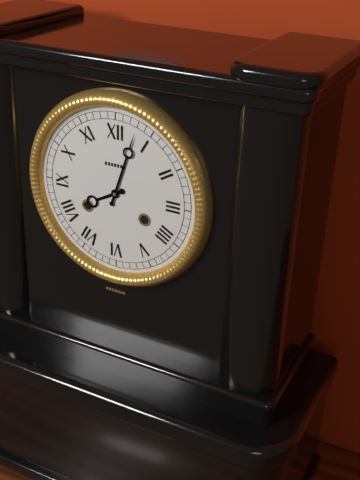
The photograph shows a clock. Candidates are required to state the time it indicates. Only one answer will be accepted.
8:03
